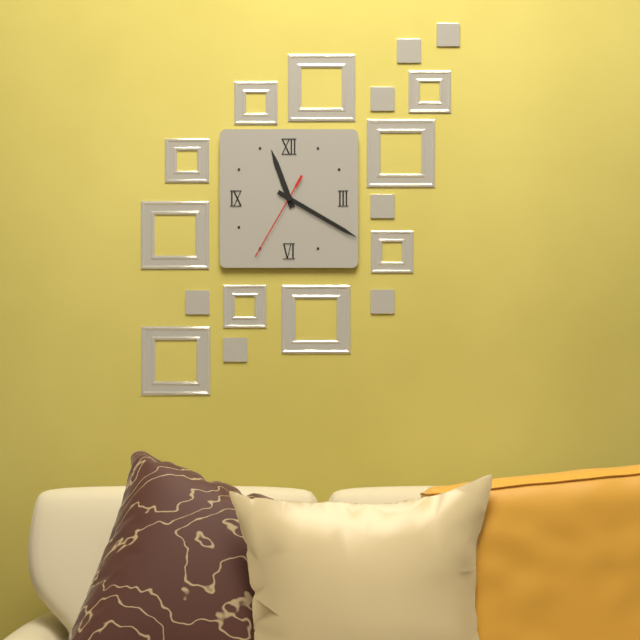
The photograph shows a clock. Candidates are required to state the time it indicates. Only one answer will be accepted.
11:20:35
